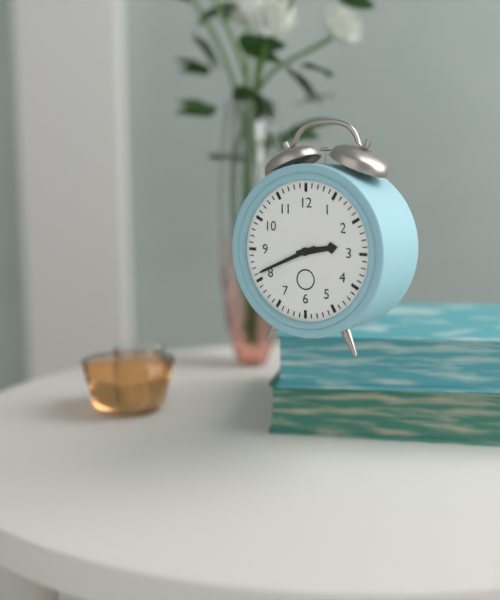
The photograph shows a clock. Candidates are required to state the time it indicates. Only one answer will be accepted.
2:41
